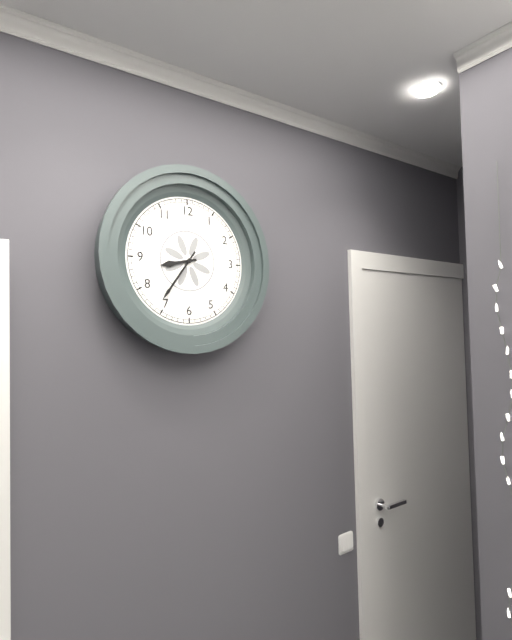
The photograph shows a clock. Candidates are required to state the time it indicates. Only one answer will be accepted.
8:36
